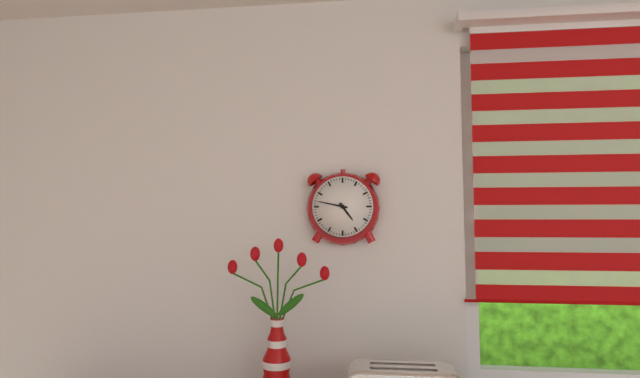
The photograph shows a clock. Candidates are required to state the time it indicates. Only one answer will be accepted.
4:47
